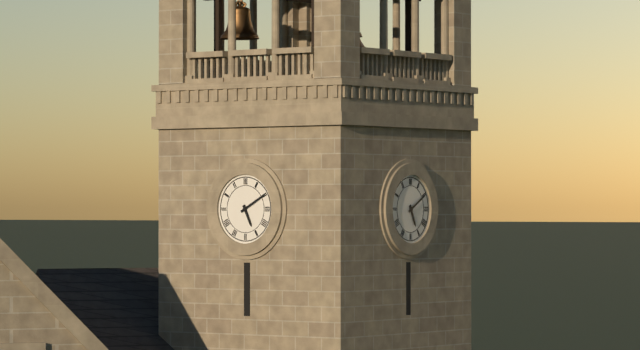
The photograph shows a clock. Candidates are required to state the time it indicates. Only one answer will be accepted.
5:10
